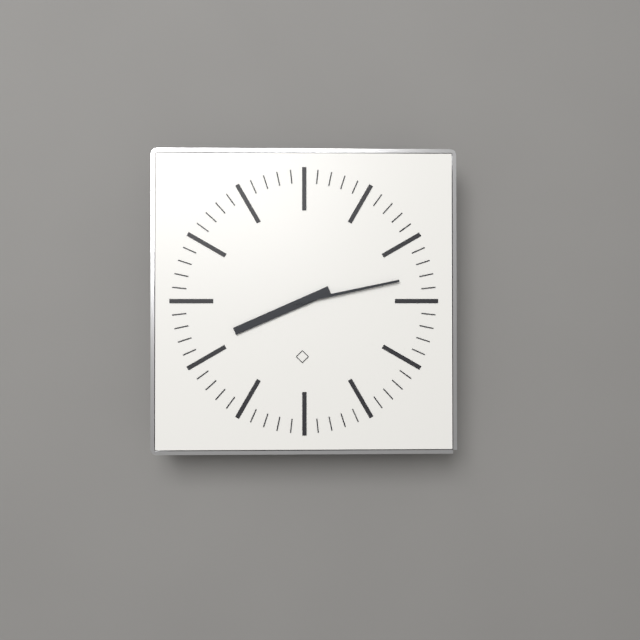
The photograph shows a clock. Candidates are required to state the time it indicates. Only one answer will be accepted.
8:13
